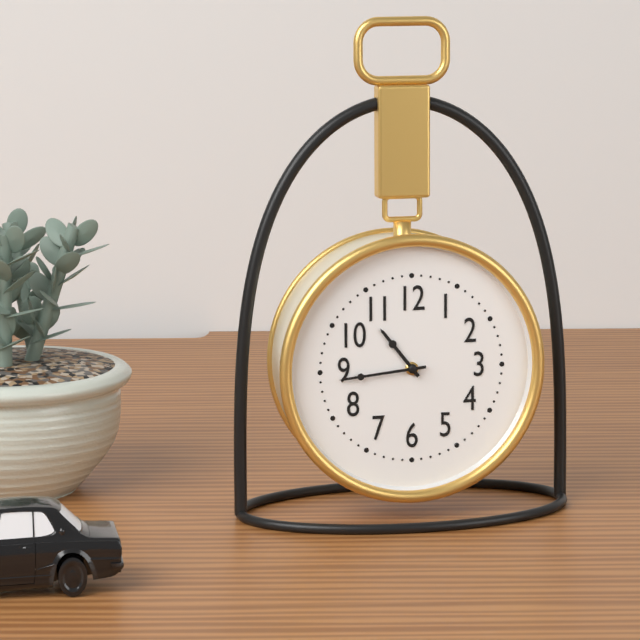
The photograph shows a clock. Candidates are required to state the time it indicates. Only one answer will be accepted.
10:44
